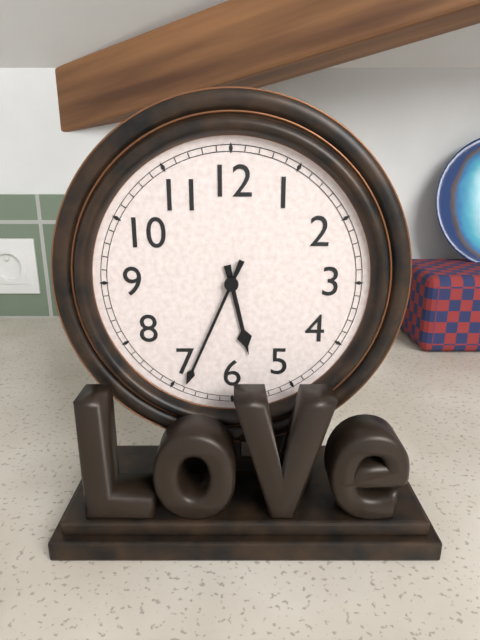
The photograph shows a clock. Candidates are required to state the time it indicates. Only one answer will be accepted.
5:34
